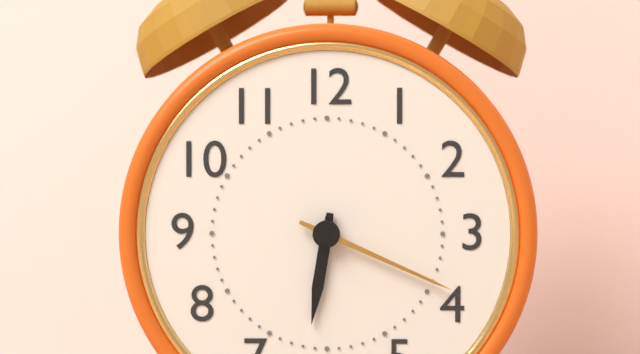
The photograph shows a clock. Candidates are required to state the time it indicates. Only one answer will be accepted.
6:19
